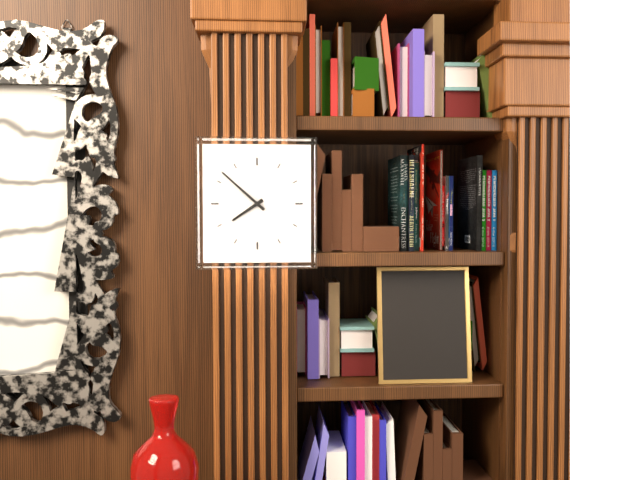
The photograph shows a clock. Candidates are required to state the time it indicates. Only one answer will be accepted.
7:52
